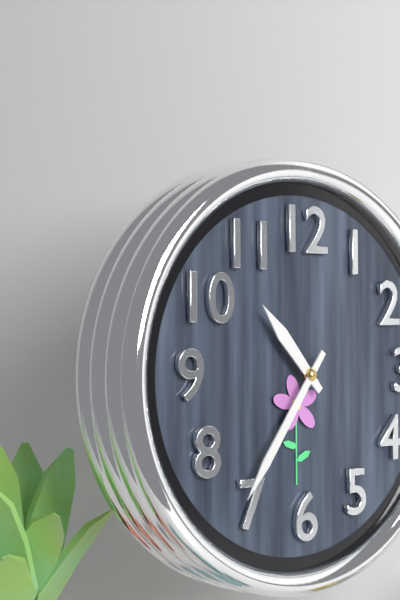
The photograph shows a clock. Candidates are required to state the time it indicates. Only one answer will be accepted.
10:36
